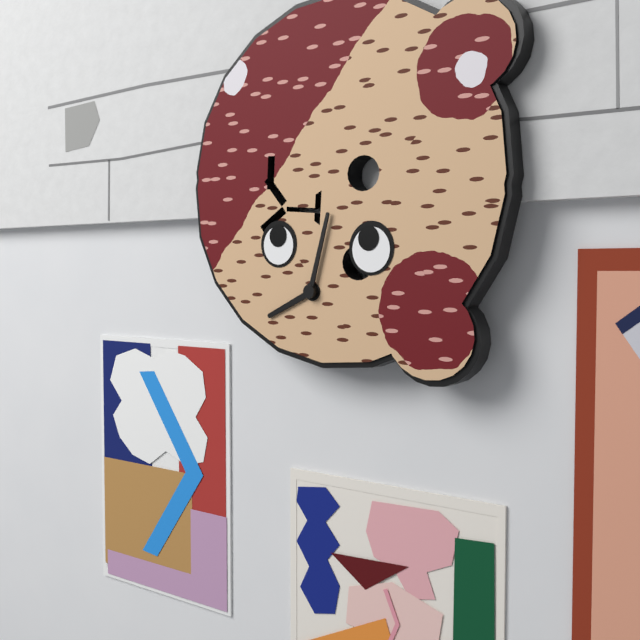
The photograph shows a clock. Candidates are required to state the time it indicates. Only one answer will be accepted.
8:02
